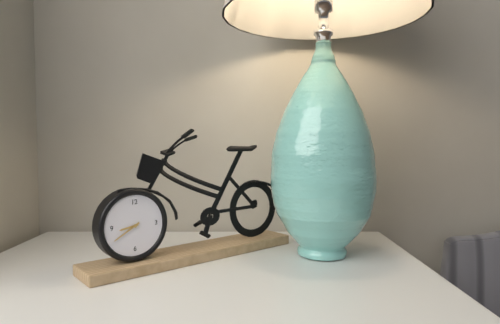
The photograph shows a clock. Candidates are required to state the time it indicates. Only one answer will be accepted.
8:40
